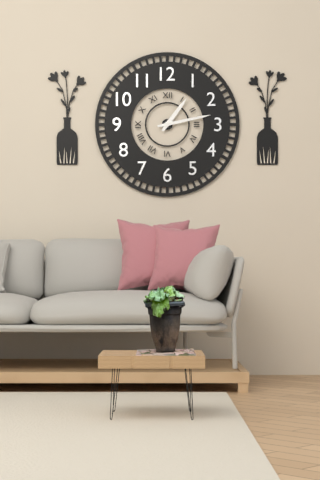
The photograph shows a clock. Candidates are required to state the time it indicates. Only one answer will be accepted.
1:13
